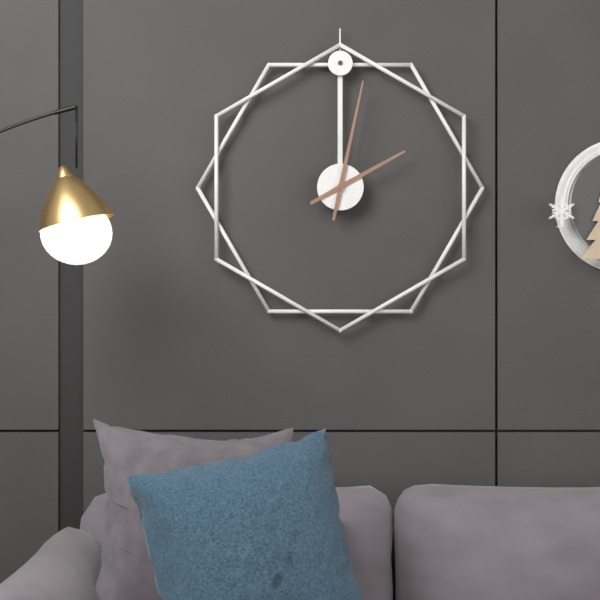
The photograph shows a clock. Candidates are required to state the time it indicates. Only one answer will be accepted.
2:02
